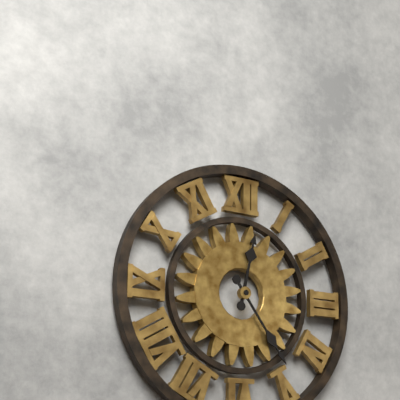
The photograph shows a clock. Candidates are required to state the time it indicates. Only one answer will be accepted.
12:24
